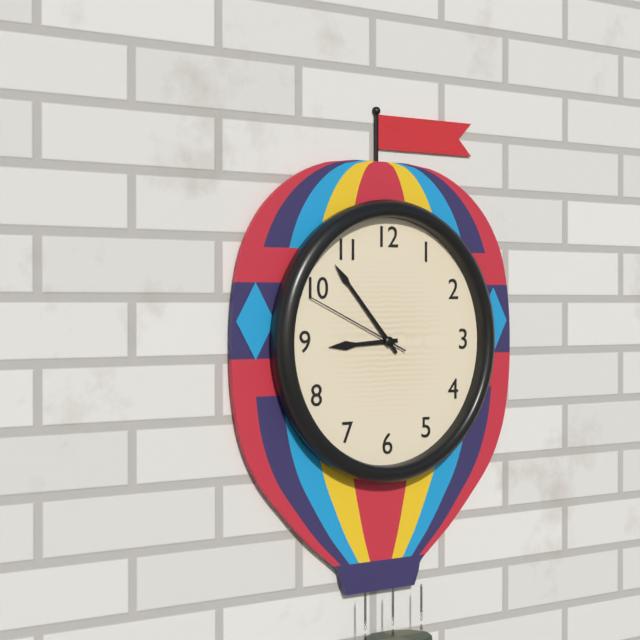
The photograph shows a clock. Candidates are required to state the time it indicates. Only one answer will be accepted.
8:53:49
